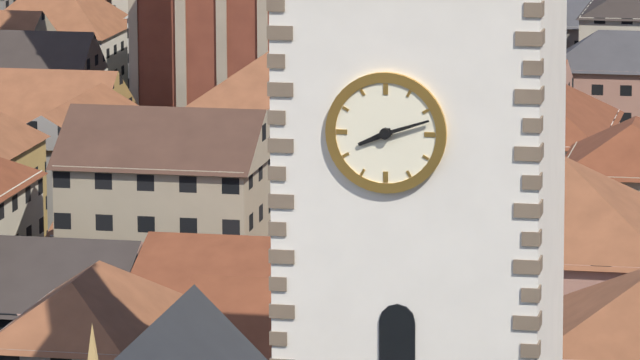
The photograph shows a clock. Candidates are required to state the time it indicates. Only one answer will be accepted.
8:12
